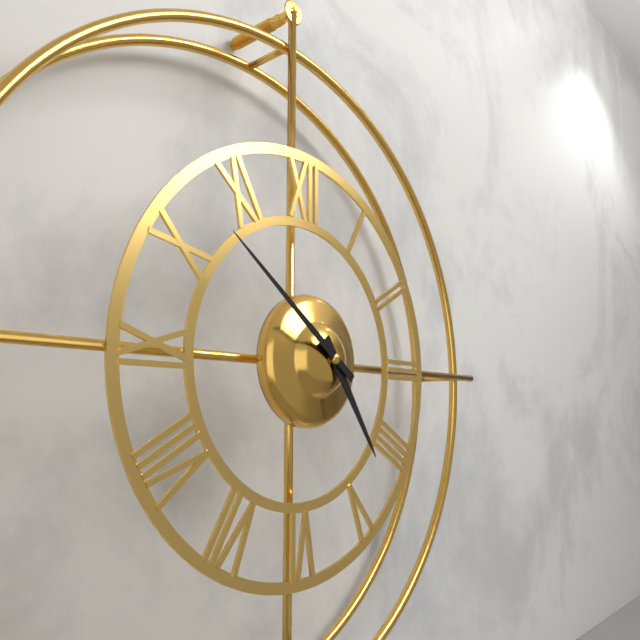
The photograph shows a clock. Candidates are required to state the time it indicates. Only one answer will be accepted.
4:51
